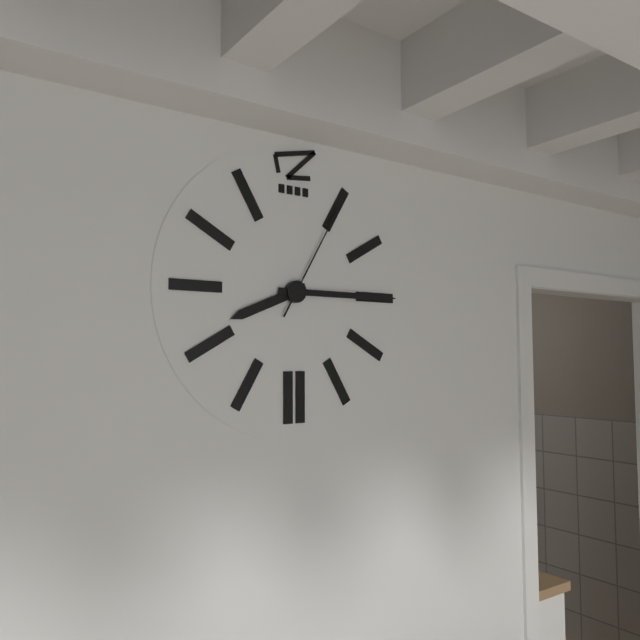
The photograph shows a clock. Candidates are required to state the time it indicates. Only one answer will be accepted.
8:15:05
